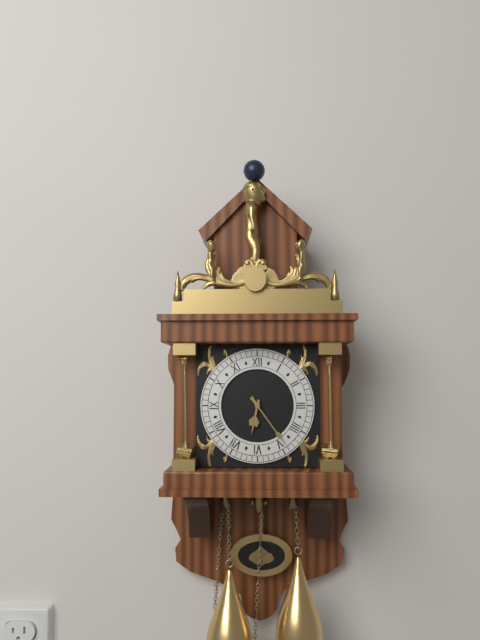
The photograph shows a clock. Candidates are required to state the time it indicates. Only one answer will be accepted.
6:24
